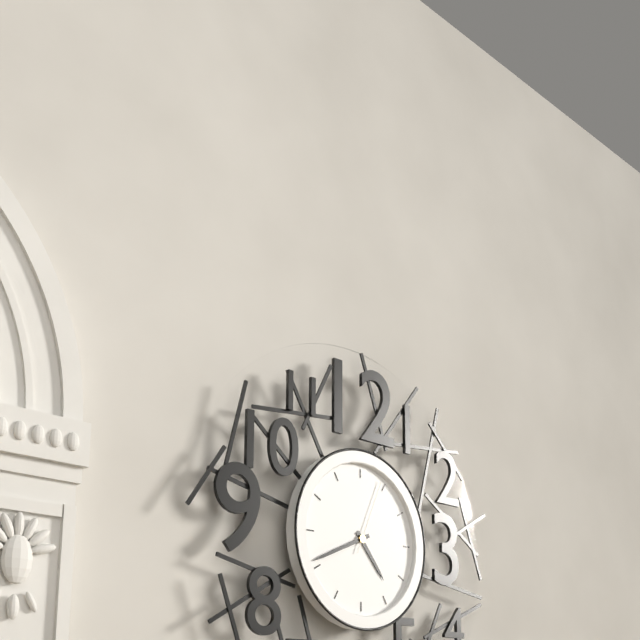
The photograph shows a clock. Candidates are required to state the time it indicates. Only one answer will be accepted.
4:41:04
